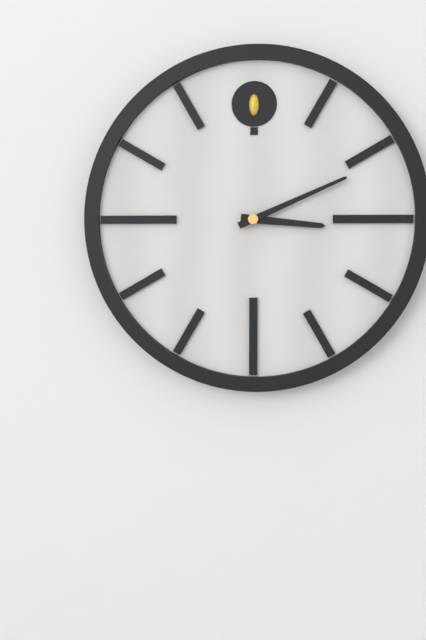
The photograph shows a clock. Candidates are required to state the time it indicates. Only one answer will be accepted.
3:11
